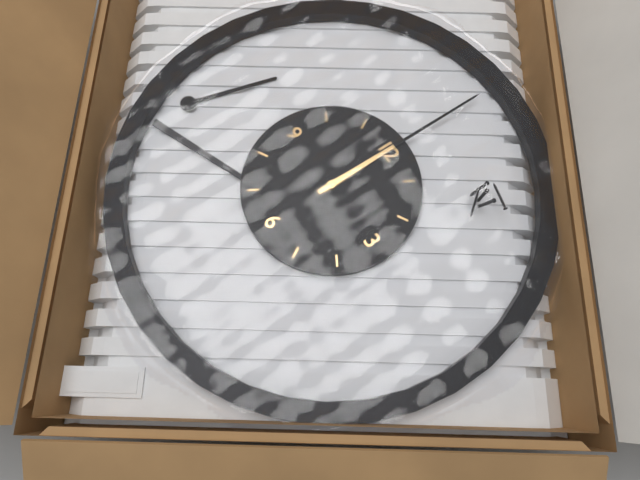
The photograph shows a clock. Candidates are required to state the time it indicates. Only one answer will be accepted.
12:00
